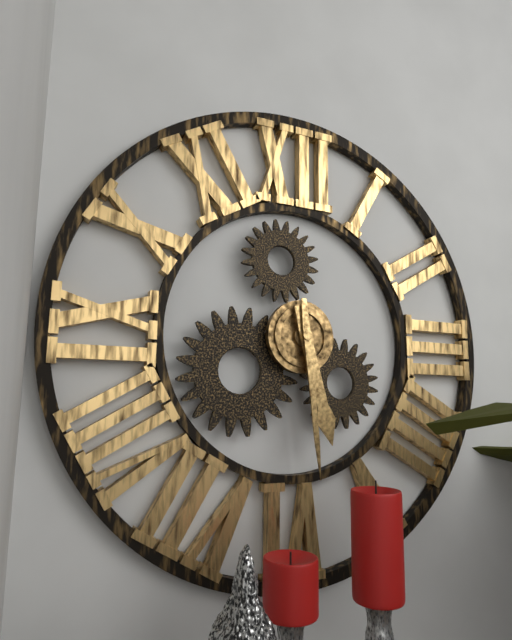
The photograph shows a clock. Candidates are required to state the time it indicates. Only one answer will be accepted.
5:29
